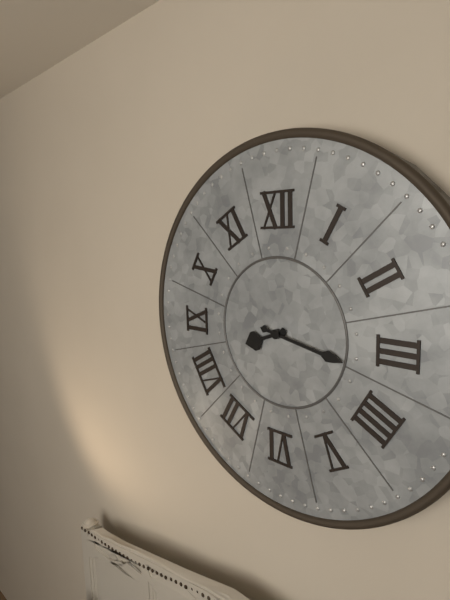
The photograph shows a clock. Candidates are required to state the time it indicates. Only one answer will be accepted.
8:17
